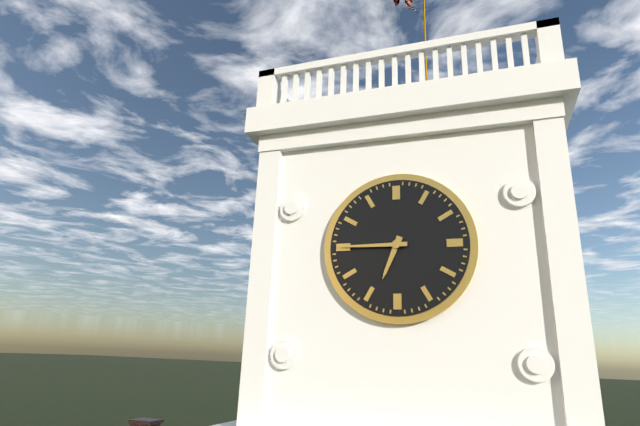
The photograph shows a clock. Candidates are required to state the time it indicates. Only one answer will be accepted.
6:45
